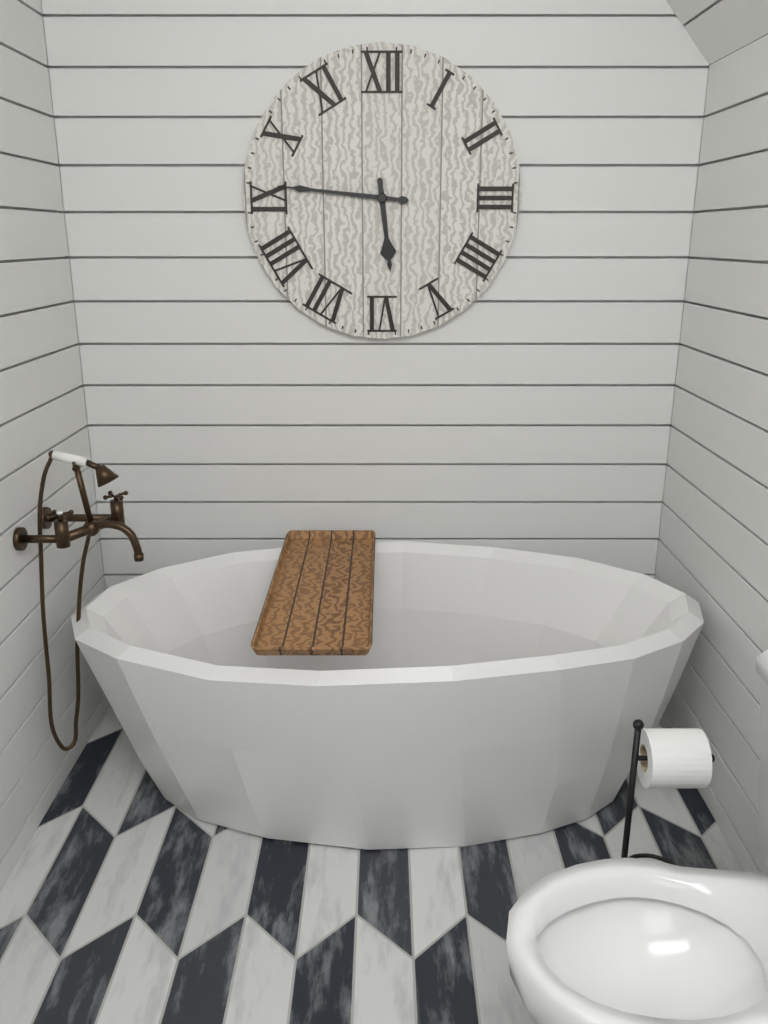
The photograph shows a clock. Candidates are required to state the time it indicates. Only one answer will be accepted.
5:46
